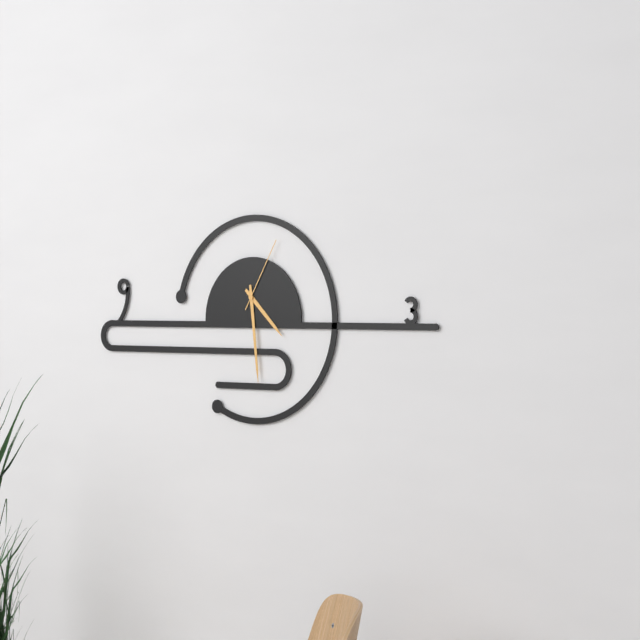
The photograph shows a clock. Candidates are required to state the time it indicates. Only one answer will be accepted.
4:29:05
